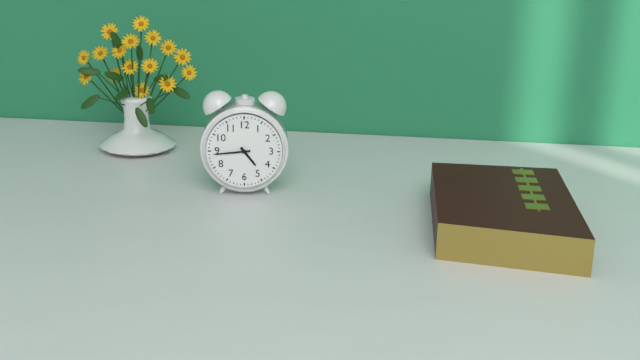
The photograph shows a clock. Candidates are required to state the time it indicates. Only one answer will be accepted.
4:44
